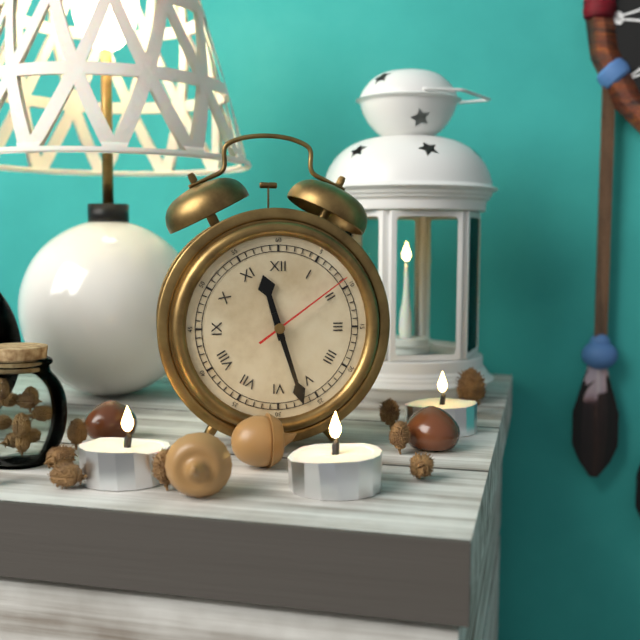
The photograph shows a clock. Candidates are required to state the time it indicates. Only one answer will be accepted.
11:27:09
